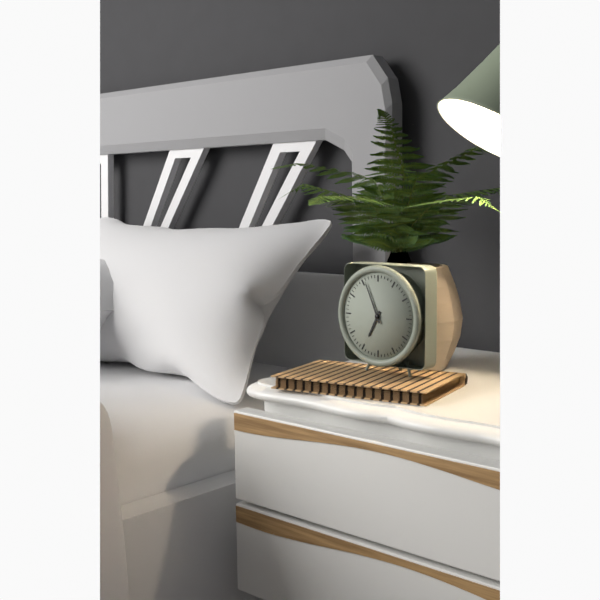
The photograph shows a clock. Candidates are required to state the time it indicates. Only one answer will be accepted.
6:56
